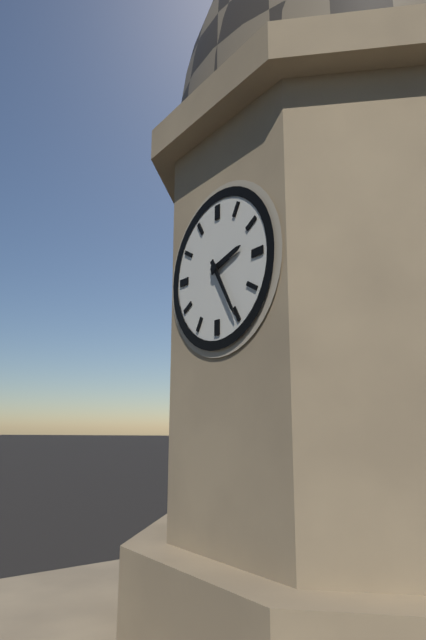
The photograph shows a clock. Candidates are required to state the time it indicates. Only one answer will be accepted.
2:25
